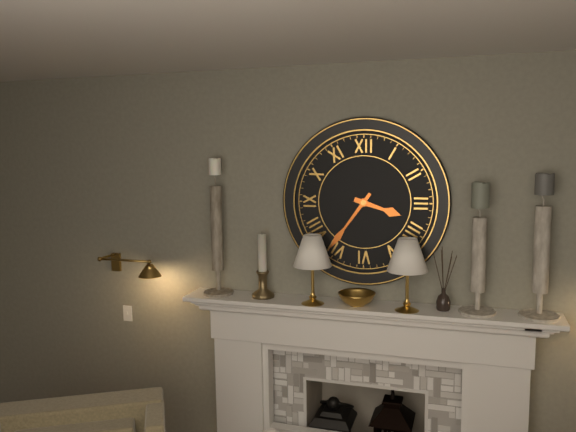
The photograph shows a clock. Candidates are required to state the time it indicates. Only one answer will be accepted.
3:36
